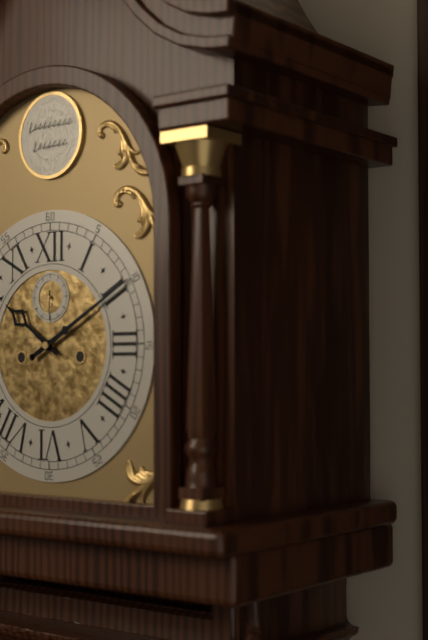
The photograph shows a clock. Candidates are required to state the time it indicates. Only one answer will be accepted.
10:10:30
